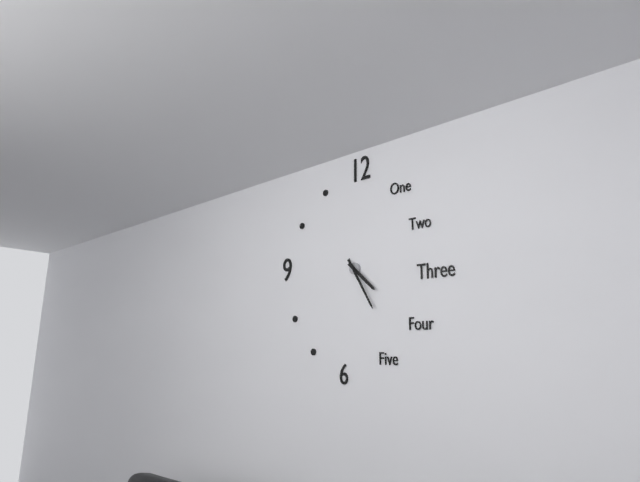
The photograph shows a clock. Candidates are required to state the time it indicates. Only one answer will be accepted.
4:25
